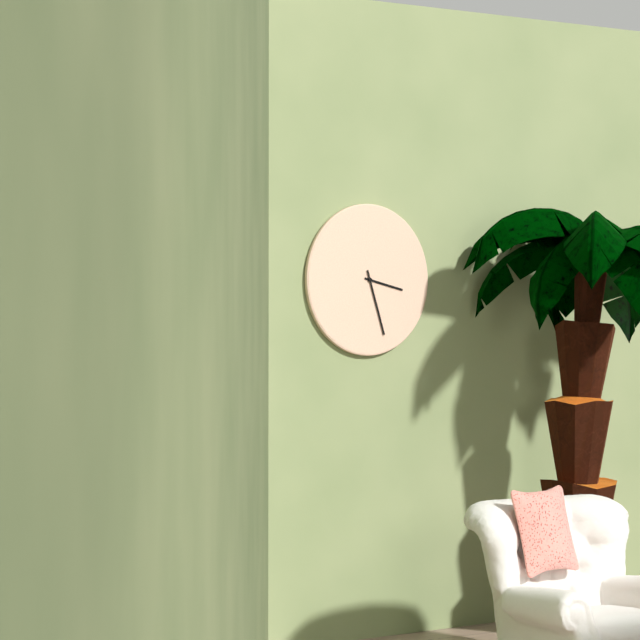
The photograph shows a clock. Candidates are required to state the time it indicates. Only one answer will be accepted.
3:27
